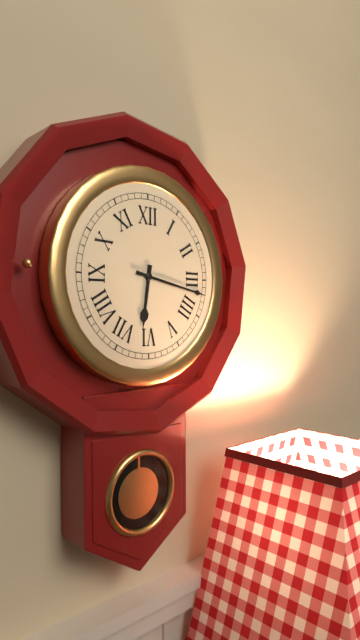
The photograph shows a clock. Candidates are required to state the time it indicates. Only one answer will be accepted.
6:17
